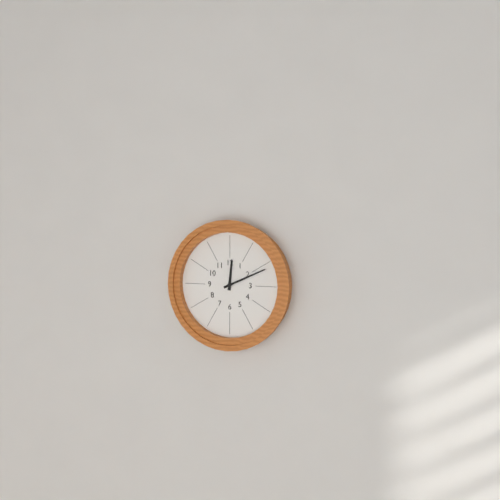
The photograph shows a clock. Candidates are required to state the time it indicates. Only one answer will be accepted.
12:11
